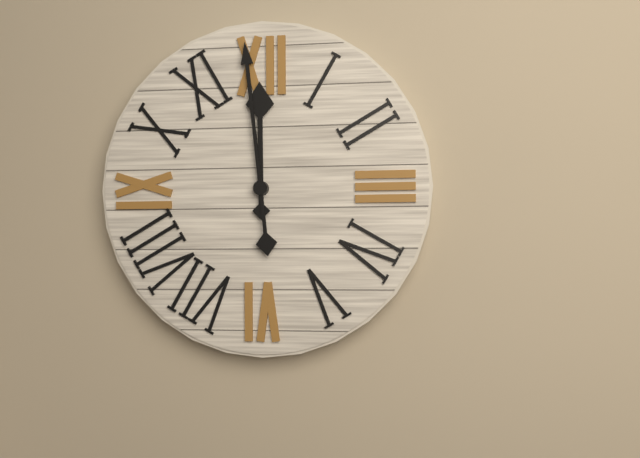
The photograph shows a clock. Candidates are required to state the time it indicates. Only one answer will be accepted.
11:59
